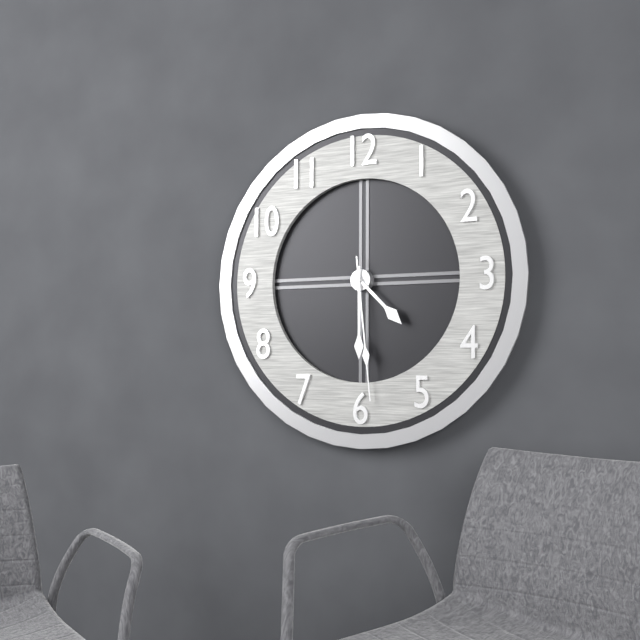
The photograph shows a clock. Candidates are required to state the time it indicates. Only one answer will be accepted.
4:30:29
